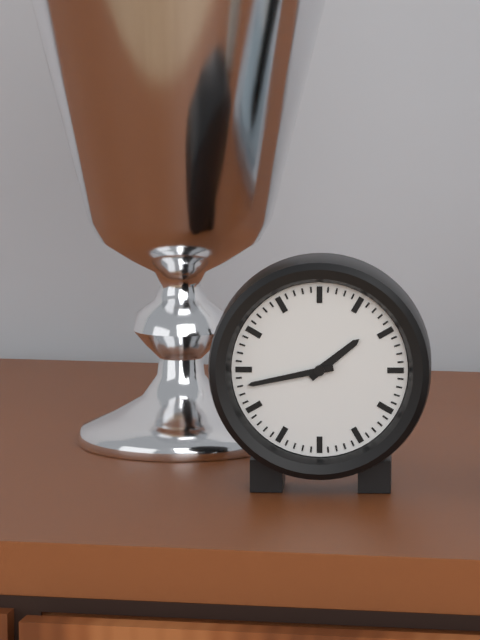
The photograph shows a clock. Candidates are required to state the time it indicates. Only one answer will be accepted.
1:43
